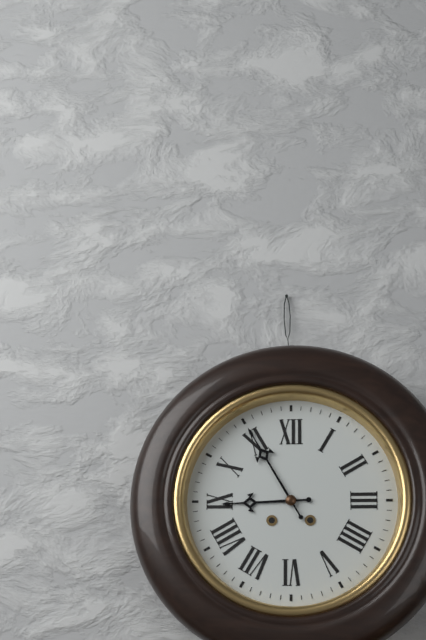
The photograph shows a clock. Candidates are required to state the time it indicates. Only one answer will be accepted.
8:55
